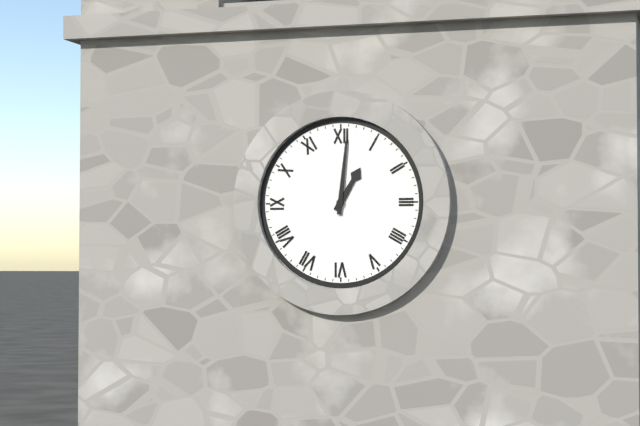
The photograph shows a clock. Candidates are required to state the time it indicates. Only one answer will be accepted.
1:01
